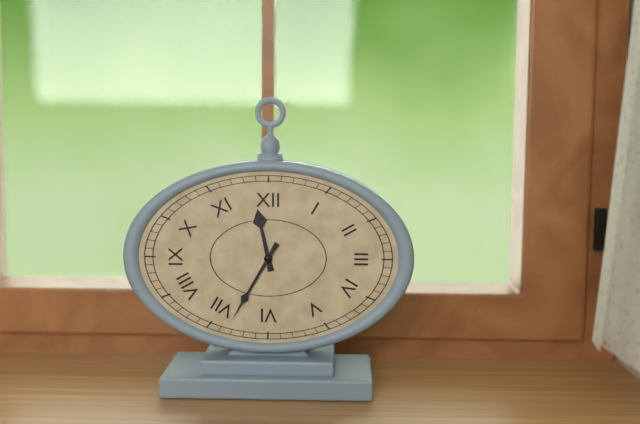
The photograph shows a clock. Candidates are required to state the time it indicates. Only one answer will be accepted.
11:35
